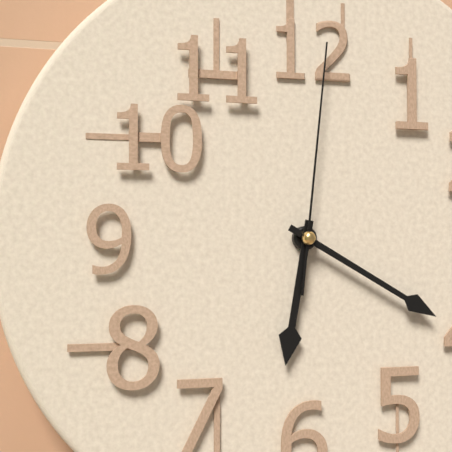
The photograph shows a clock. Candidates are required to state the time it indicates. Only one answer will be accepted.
6:20:01
